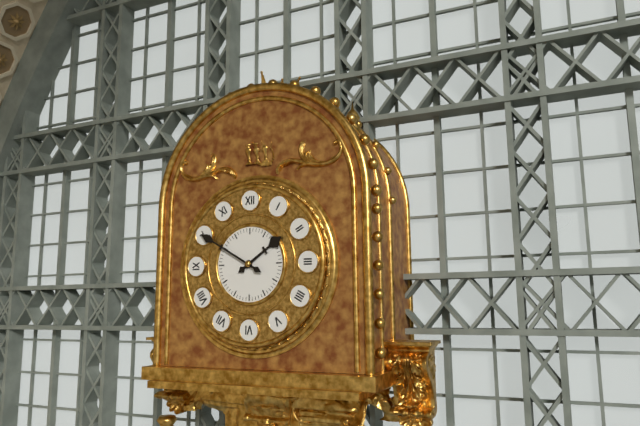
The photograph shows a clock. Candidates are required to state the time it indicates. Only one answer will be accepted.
1:50
